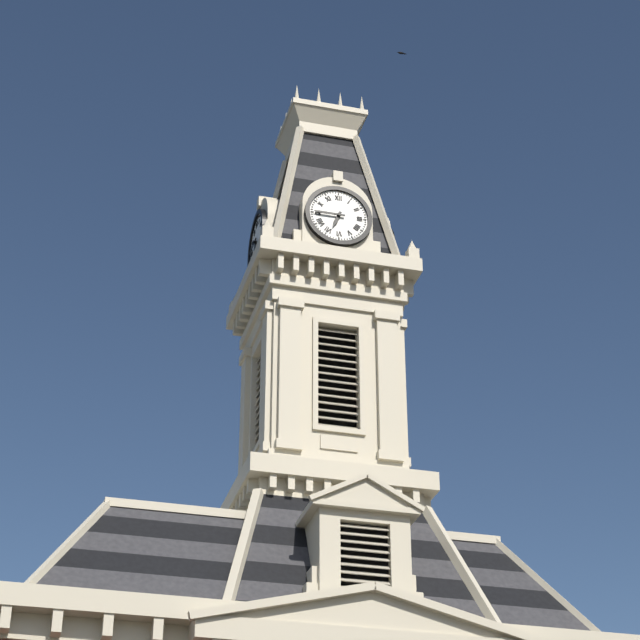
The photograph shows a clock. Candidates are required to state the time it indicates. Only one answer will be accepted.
6:45
